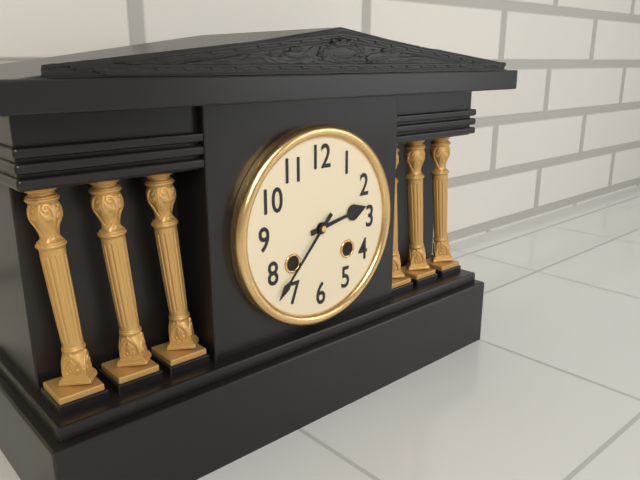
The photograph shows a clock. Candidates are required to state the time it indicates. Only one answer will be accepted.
2:37
